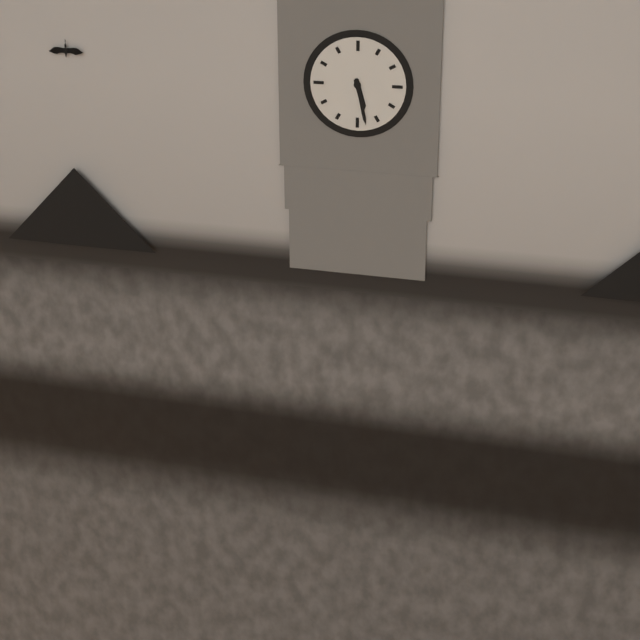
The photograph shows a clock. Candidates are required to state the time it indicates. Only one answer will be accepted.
5:28
